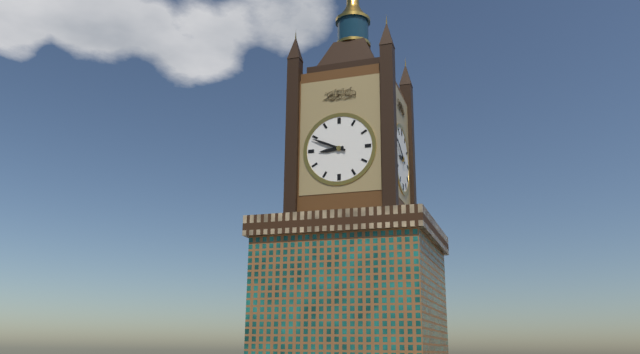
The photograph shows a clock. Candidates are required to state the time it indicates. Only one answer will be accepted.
8:49
